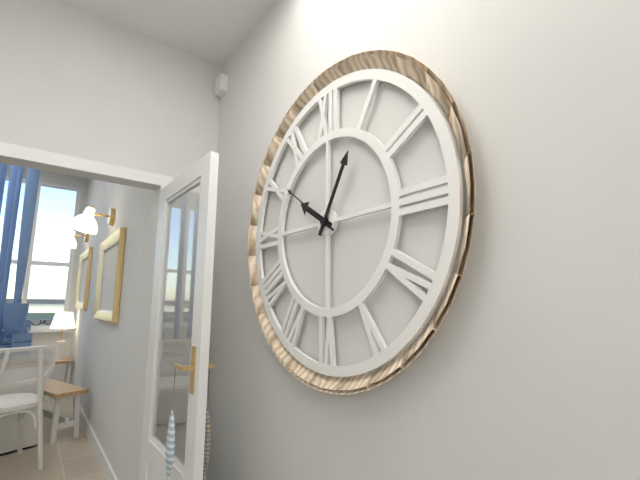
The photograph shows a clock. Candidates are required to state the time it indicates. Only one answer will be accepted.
10:05:51
